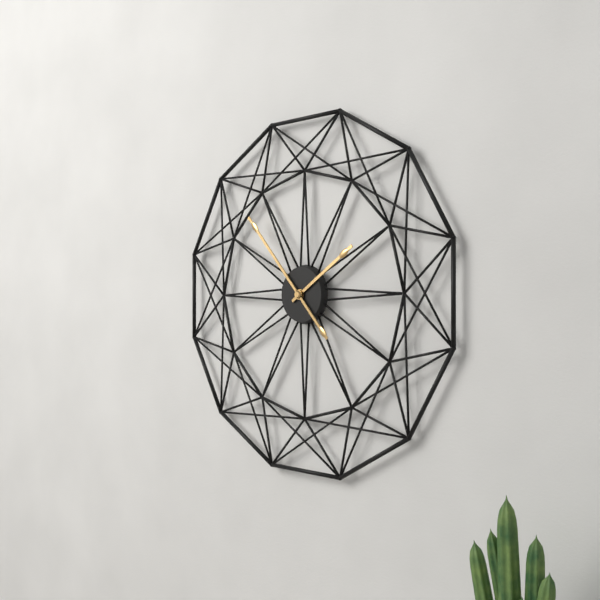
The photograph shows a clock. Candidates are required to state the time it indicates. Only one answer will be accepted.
1:53
